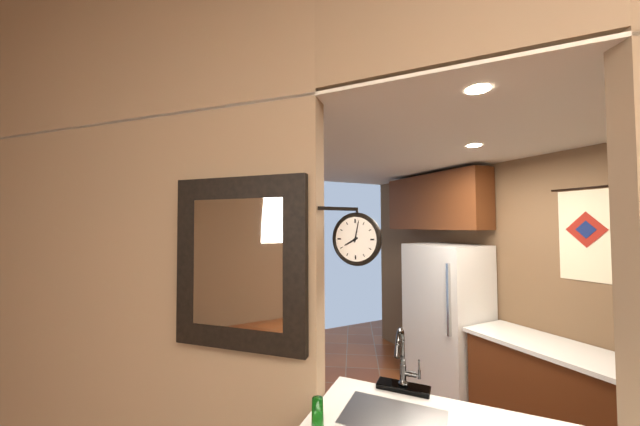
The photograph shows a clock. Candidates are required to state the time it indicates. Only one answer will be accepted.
8:02
